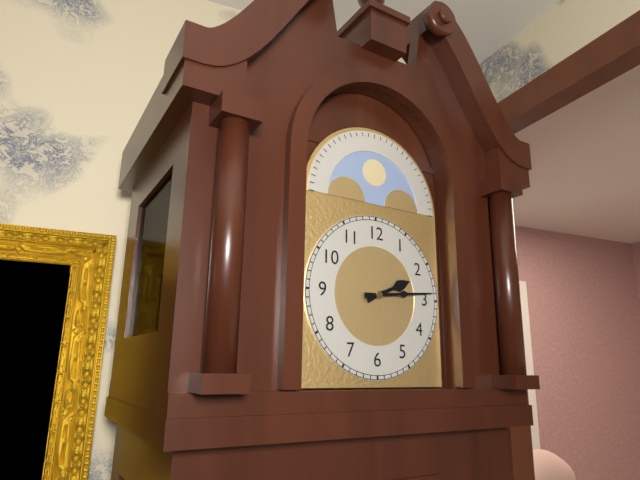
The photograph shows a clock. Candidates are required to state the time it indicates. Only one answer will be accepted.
2:14
